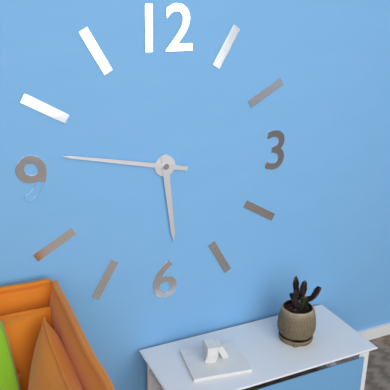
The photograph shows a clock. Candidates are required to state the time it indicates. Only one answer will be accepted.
5:47
